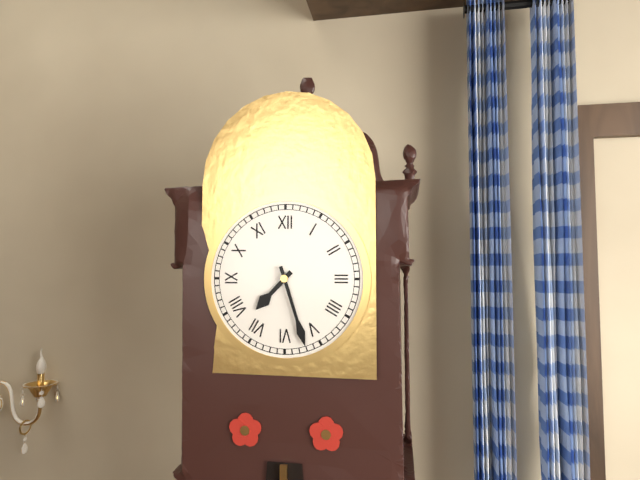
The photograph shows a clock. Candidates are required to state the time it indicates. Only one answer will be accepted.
7:27
